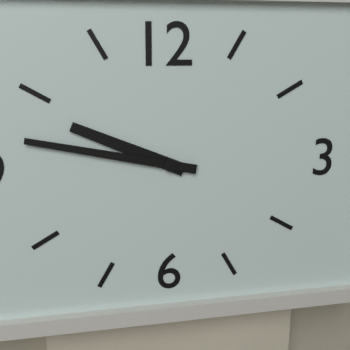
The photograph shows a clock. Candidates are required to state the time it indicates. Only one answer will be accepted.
9:47
